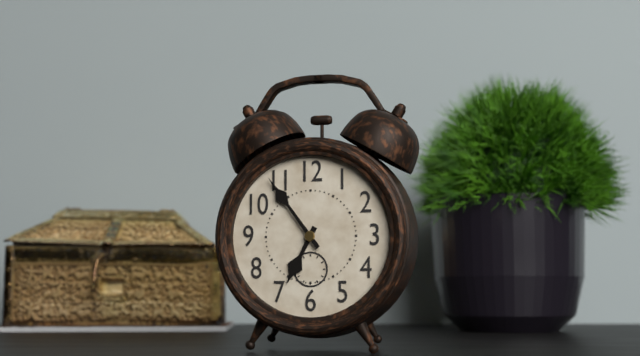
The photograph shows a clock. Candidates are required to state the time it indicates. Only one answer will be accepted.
6:54
